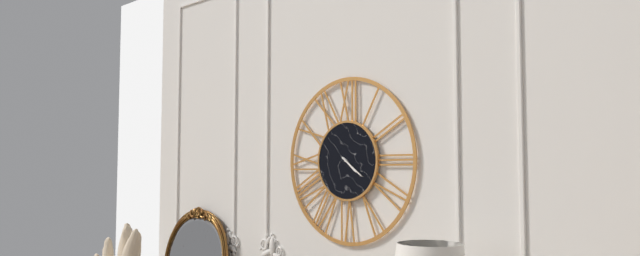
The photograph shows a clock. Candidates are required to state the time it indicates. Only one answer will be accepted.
4:21
